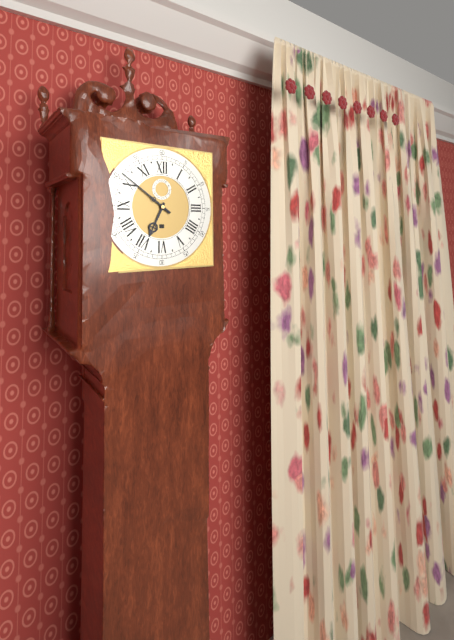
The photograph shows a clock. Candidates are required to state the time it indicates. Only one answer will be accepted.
6:51
